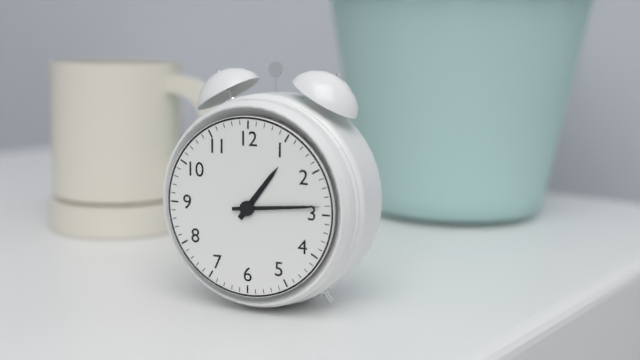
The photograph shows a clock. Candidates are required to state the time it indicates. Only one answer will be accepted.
1:14
